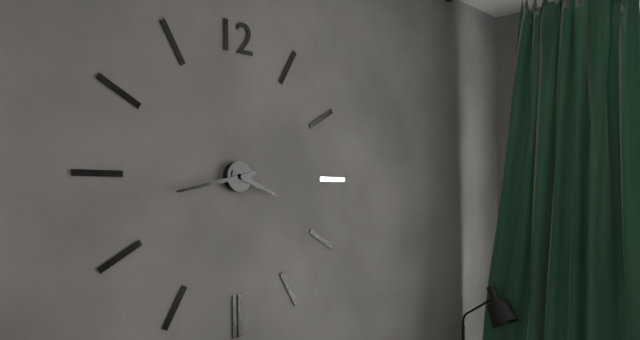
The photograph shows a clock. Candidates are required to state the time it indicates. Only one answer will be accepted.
3:43
